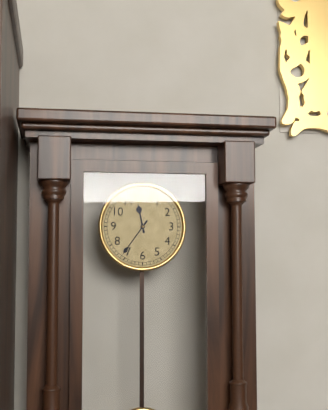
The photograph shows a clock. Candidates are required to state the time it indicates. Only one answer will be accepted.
11:36
